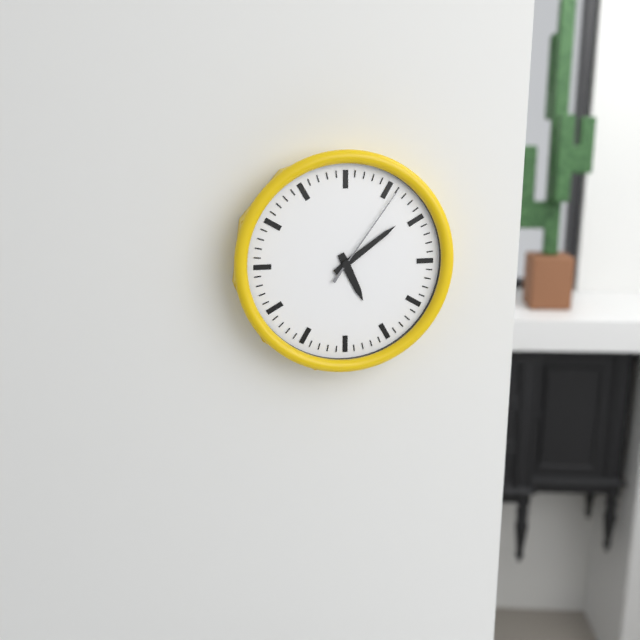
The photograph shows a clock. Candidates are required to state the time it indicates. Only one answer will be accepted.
5:09:06
